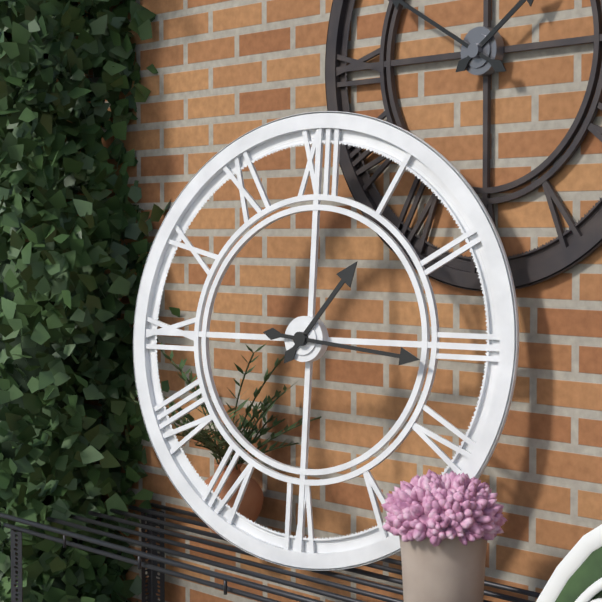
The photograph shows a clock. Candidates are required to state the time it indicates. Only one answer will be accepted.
1:16
